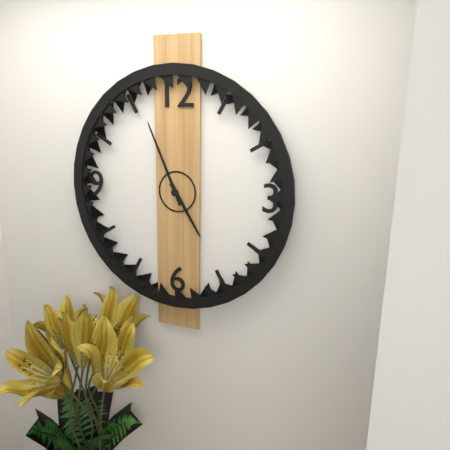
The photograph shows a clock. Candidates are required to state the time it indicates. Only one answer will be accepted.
4:56
